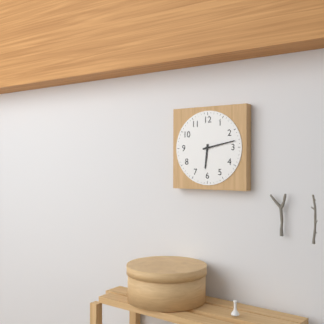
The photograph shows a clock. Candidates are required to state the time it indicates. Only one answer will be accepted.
6:13
